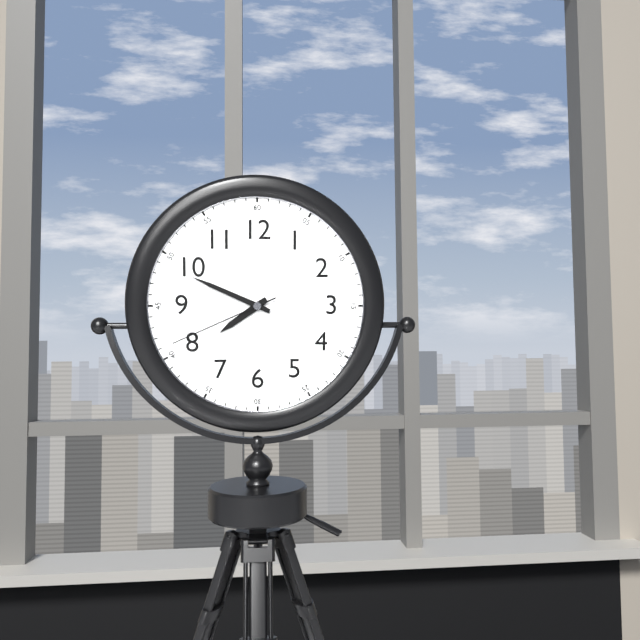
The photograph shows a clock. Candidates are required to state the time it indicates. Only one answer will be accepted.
7:49:41
